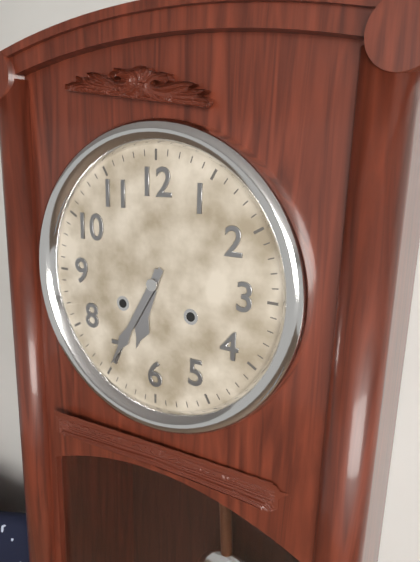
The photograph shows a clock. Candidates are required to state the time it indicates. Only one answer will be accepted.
6:35
